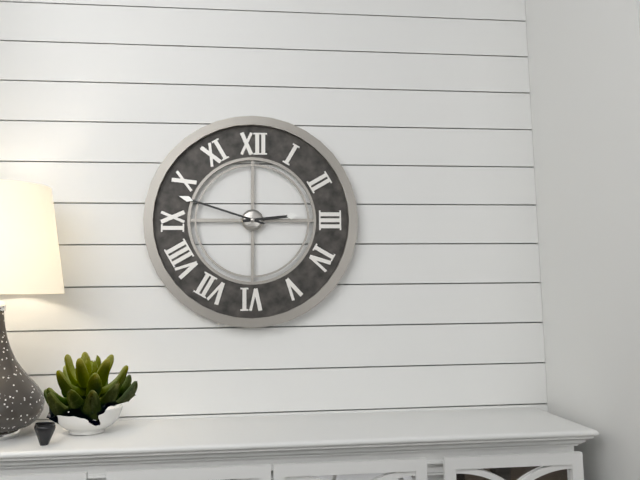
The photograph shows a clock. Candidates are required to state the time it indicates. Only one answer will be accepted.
2:48
